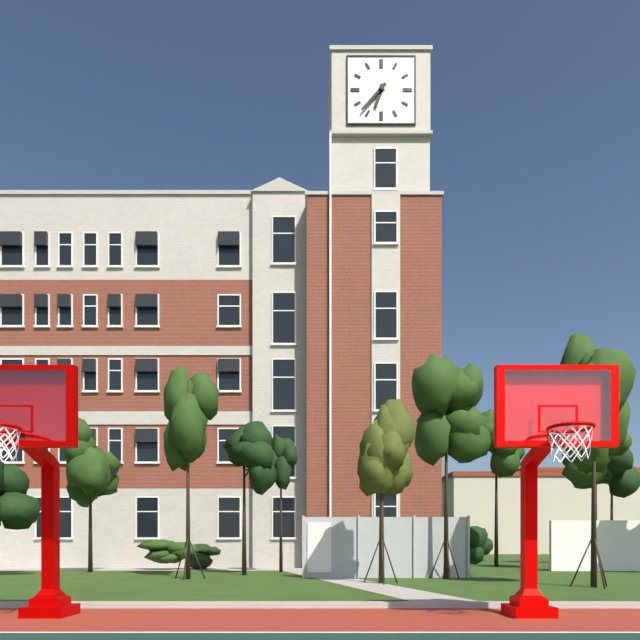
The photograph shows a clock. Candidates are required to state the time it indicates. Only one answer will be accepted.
6:37
